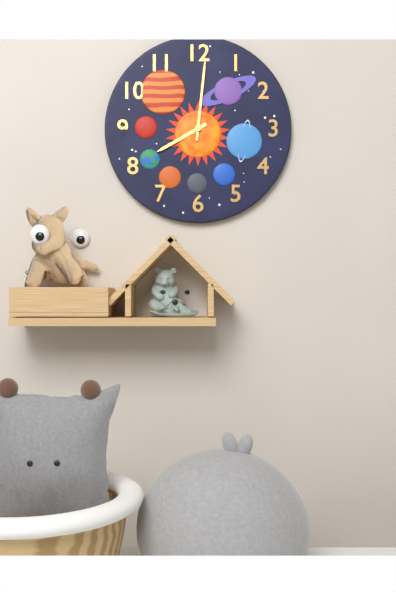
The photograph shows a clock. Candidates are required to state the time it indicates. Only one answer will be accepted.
8:01
